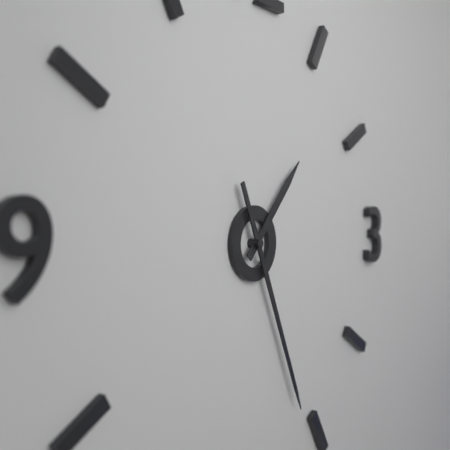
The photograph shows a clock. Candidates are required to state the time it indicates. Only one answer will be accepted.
1:26
